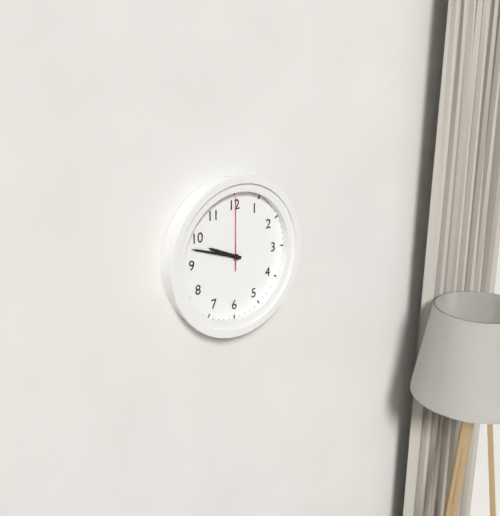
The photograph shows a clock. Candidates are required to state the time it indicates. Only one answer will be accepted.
9:48:00
